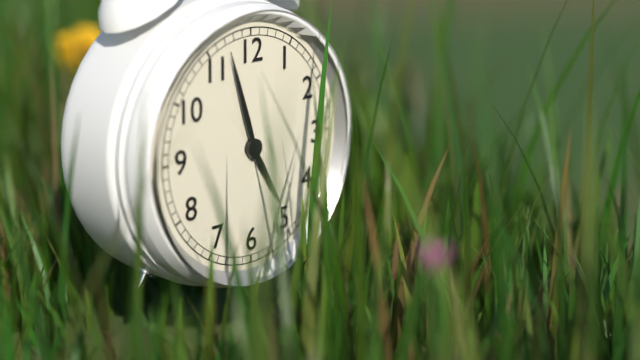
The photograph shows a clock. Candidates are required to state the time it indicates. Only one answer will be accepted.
4:57
